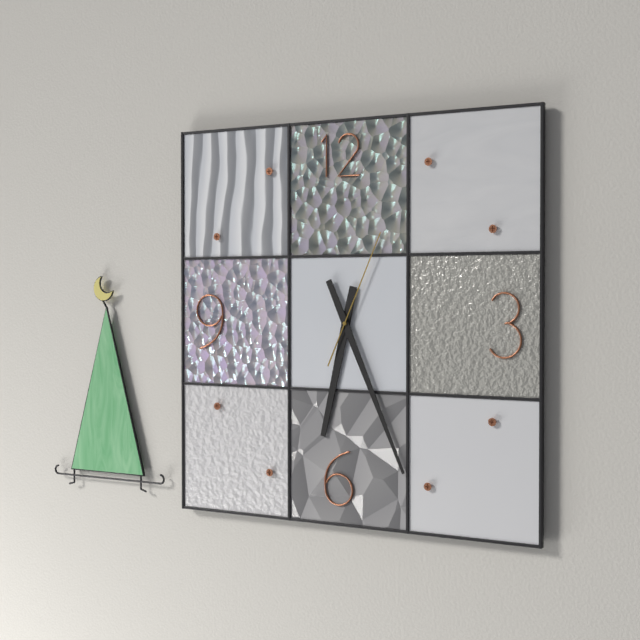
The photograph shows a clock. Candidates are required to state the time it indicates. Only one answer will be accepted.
6:26:04
